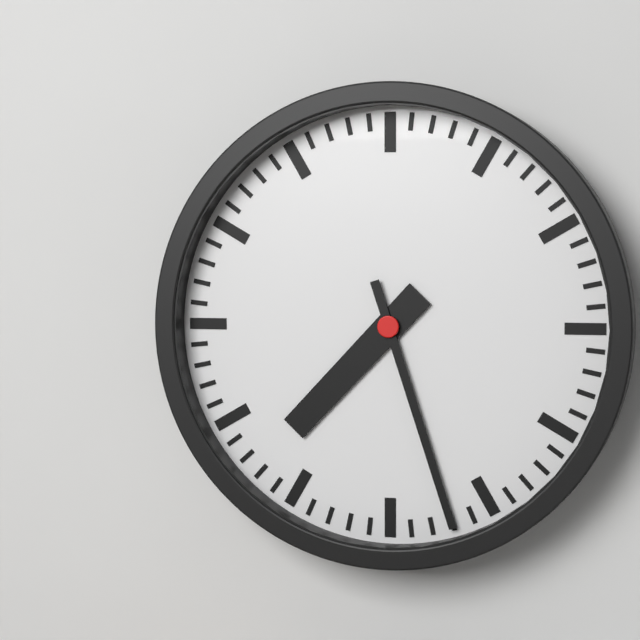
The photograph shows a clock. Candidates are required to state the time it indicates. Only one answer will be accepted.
7:27
